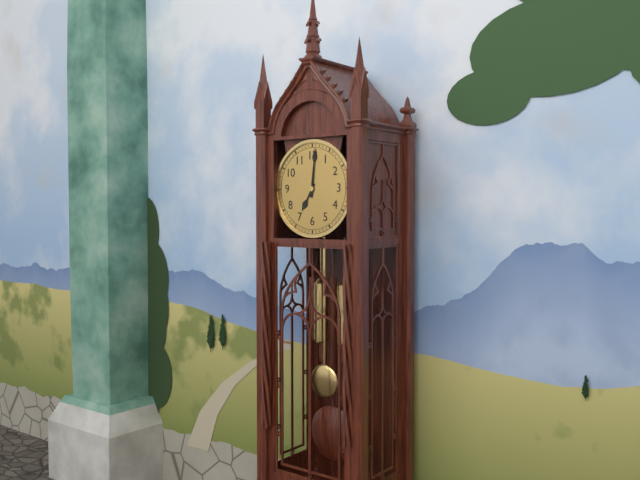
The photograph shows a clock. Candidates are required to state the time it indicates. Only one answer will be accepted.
7:01
